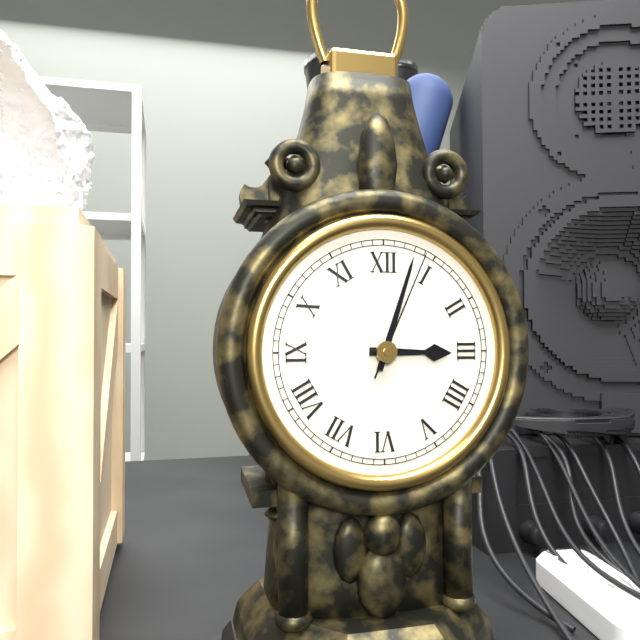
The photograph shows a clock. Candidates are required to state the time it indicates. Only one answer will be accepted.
3:03:04
